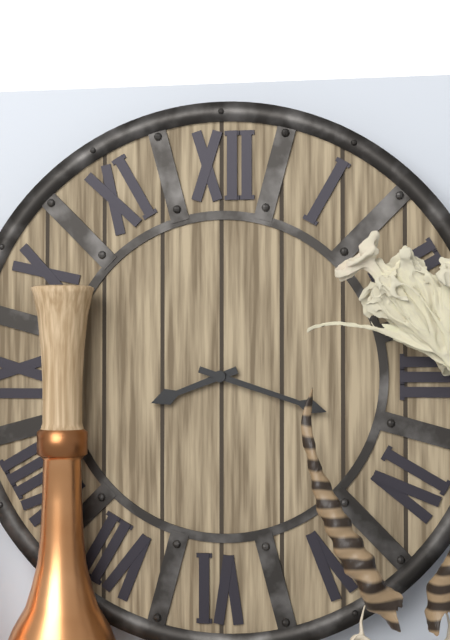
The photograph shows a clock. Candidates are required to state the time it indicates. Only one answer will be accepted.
8:18
